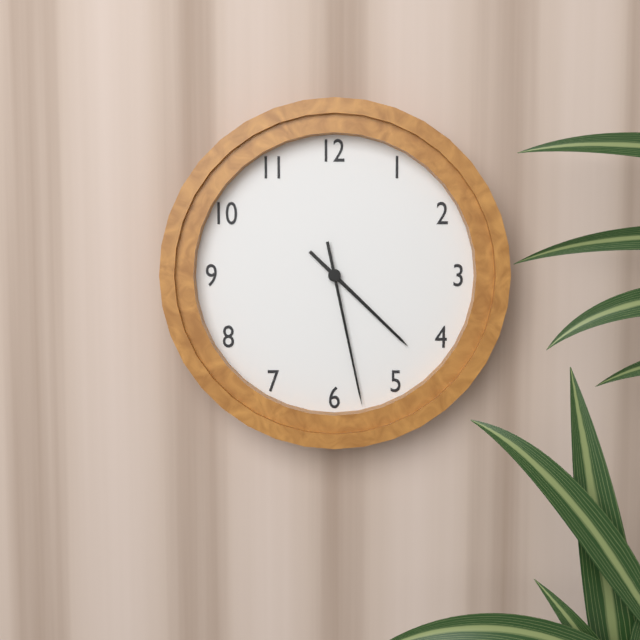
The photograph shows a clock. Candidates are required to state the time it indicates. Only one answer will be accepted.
4:28
